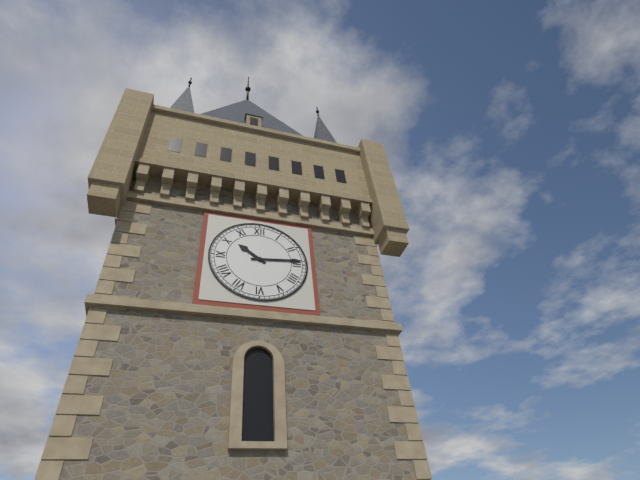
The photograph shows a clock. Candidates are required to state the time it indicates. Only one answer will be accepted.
10:14
